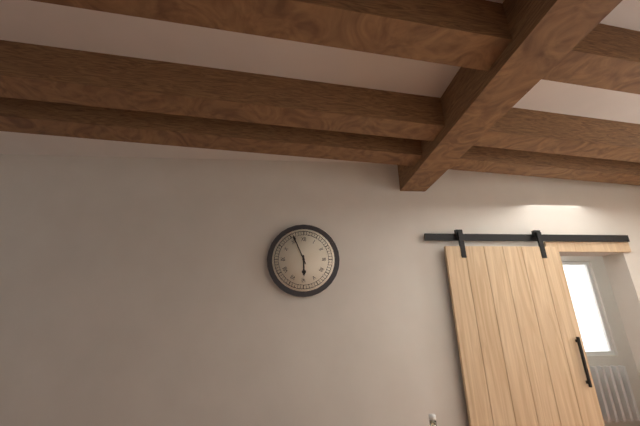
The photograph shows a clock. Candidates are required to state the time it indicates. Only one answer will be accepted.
5:56
